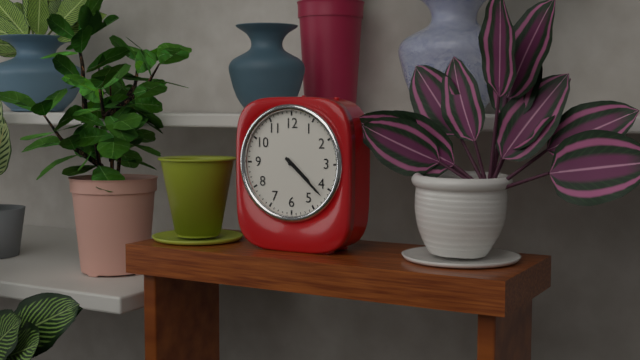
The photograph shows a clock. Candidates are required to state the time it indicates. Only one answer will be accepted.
4:22
